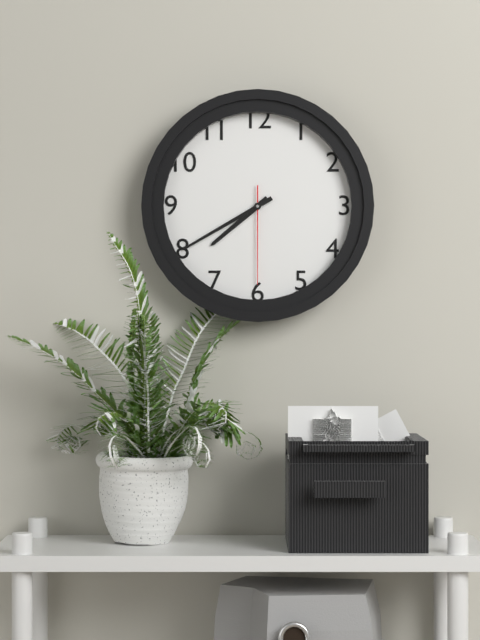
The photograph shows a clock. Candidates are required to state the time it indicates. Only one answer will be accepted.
7:40:30
